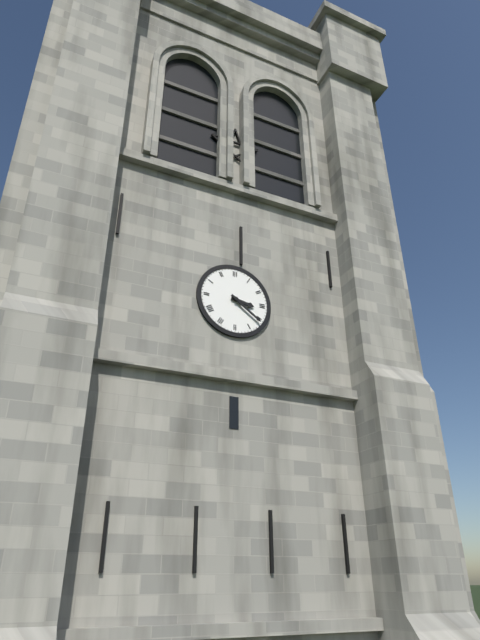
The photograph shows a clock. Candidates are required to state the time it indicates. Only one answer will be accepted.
3:21
